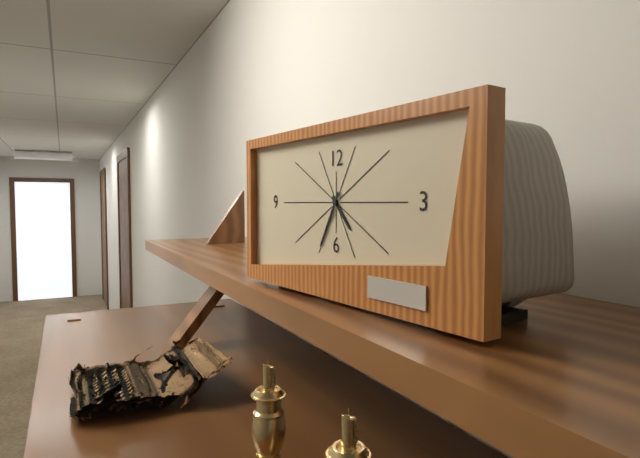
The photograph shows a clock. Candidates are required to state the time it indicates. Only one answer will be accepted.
4:35
